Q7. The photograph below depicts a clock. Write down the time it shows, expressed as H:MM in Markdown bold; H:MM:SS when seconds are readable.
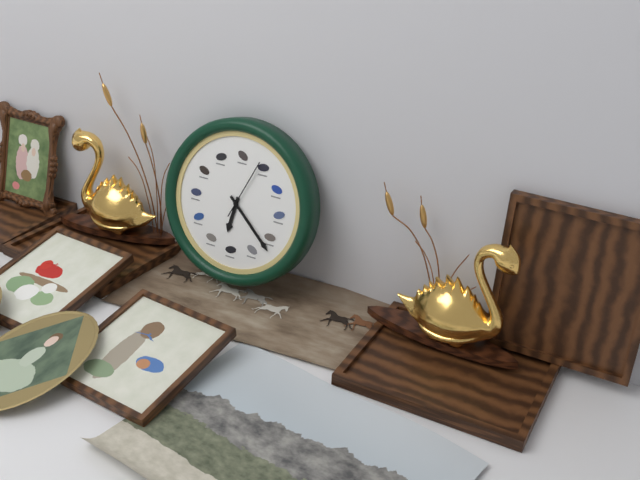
**6:22:04**
